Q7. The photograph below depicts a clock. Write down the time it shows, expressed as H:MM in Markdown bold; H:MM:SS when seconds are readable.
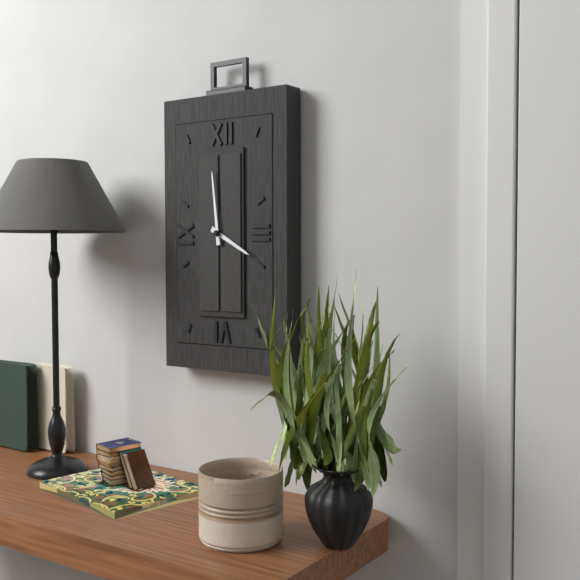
**3:59**
